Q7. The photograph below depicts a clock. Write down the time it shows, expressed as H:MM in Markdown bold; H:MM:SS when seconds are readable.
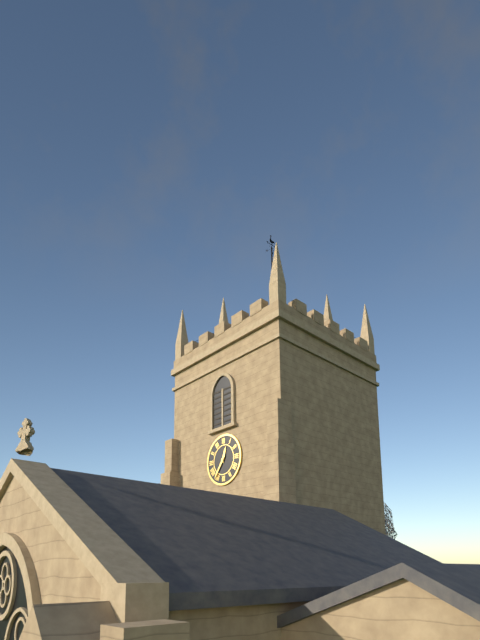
**12:36**
